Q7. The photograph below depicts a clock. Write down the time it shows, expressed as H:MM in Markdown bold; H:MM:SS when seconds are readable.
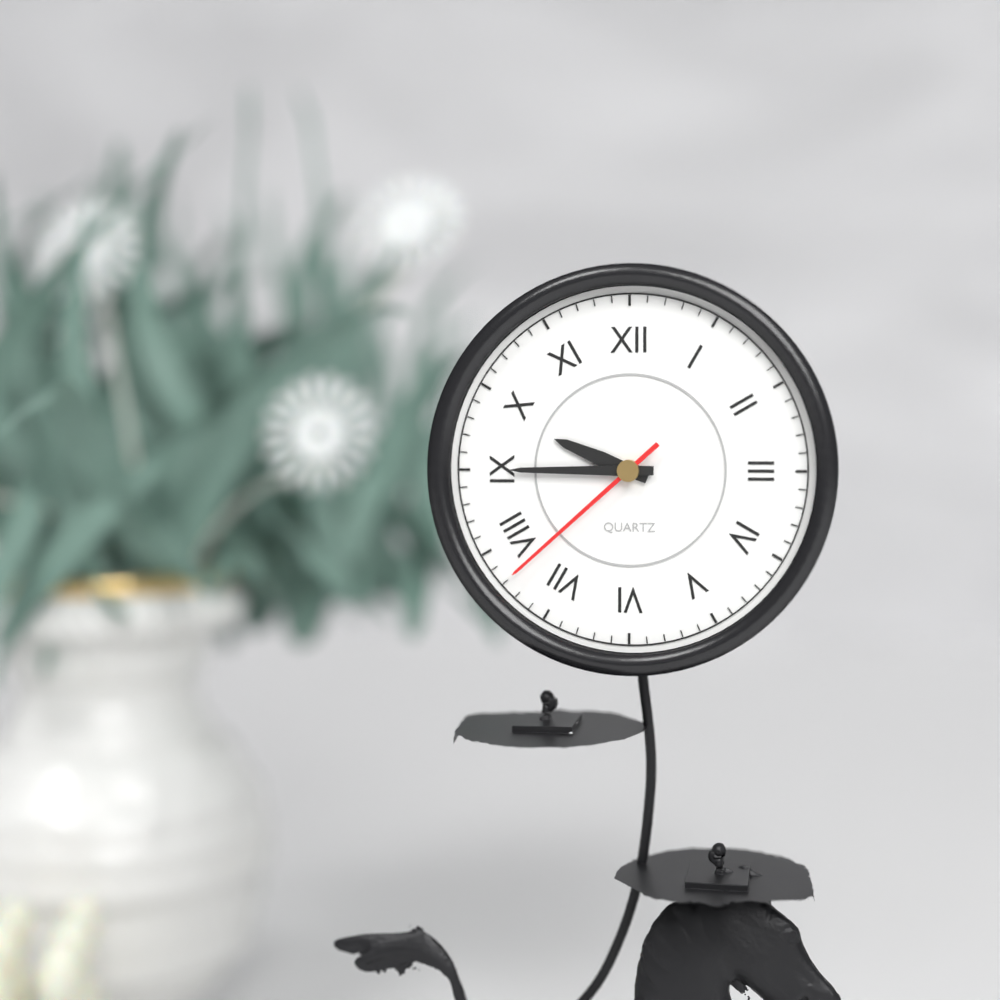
**9:45:38**
